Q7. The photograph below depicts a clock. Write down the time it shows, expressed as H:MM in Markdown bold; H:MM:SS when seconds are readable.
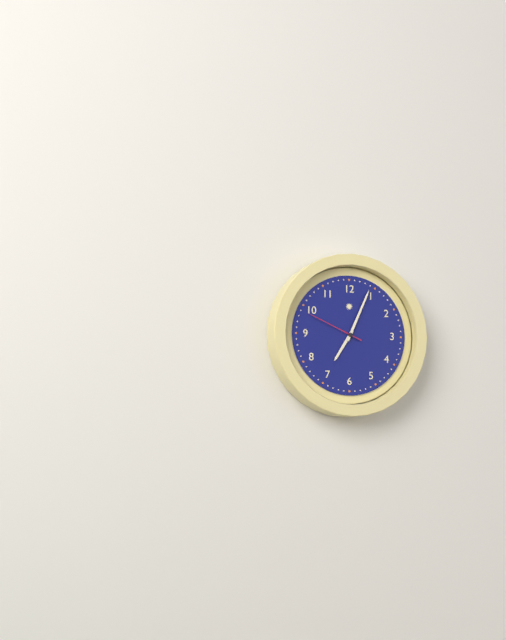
**7:04:49**
